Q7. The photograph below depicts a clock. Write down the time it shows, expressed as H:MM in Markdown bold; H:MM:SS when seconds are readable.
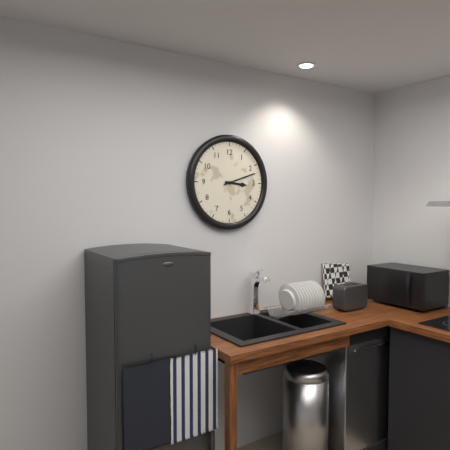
**3:12**
